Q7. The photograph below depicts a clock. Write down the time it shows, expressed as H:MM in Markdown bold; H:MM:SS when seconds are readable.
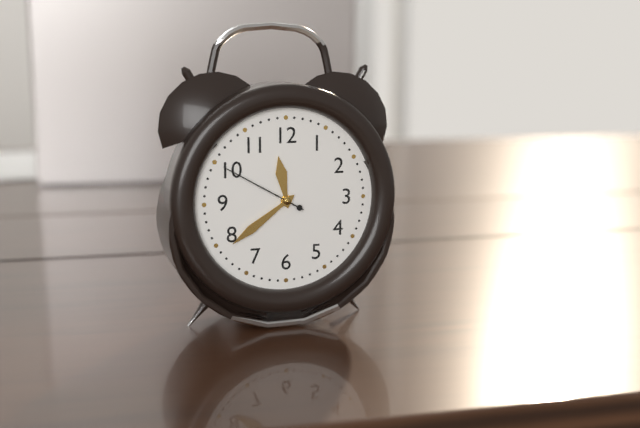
**11:39:50**
